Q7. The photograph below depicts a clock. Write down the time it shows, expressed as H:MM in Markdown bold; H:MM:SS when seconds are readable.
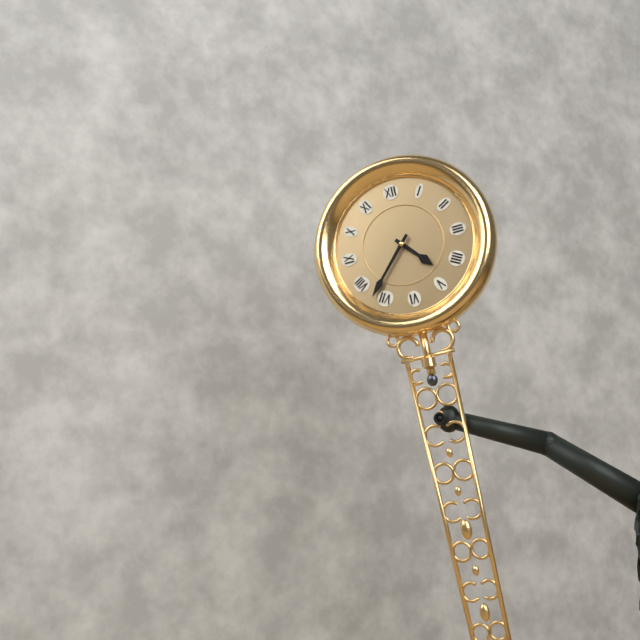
**4:37**
